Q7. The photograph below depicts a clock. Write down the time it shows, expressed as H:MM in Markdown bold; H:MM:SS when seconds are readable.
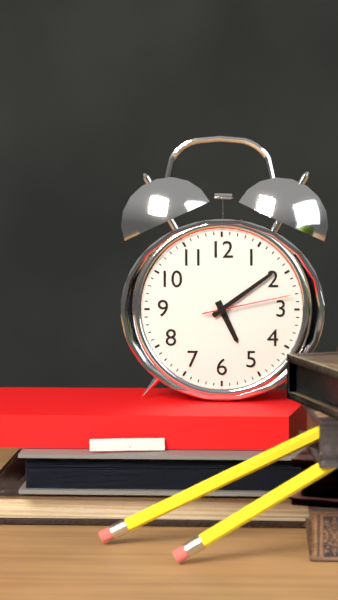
**5:09:13**
